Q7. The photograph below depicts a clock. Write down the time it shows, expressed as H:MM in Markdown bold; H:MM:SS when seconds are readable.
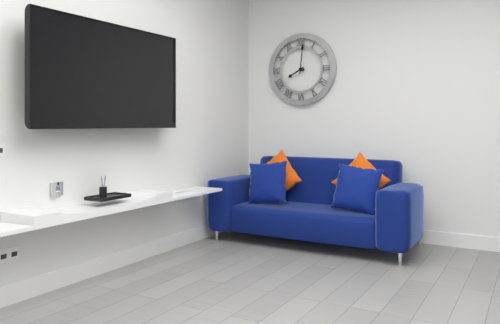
**8:01**
